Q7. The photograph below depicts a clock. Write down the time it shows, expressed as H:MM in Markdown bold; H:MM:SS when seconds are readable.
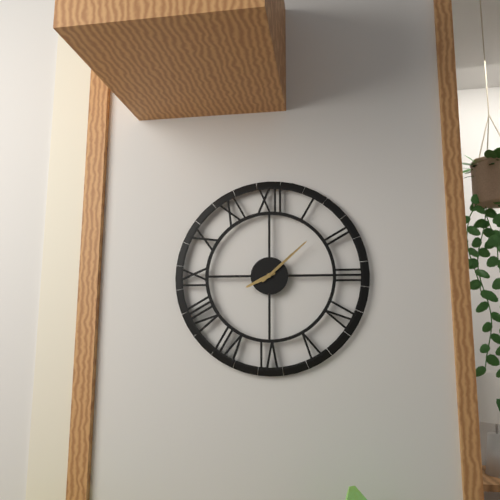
**8:08**
